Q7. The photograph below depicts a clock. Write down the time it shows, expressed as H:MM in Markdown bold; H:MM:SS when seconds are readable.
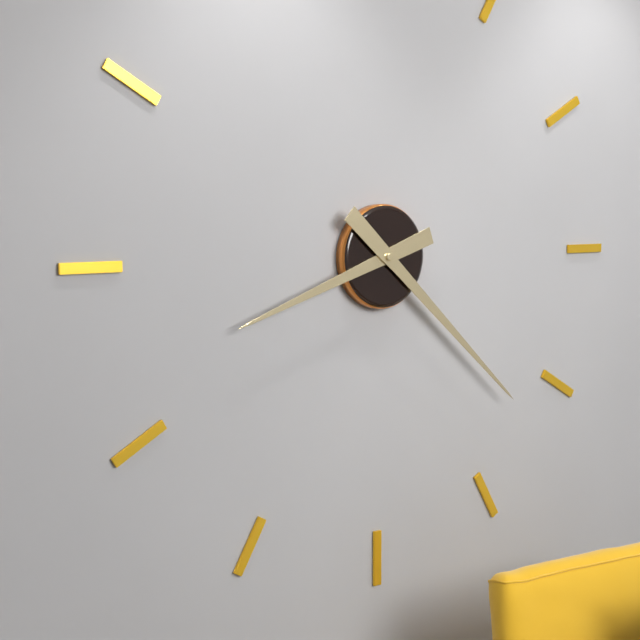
**8:22**
